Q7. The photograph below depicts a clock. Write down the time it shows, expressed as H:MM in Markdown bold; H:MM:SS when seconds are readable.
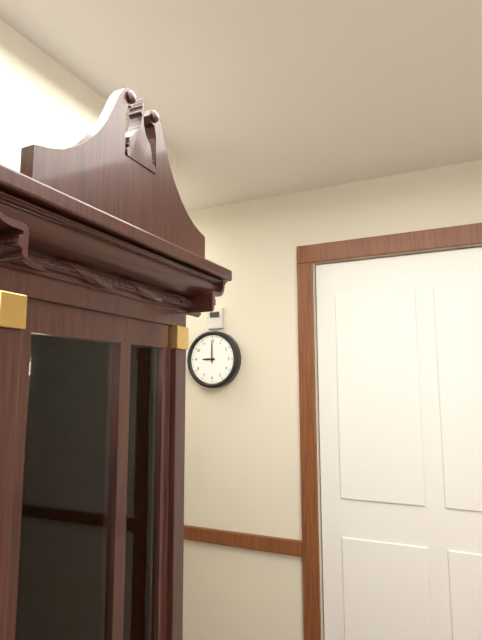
**9:00**
